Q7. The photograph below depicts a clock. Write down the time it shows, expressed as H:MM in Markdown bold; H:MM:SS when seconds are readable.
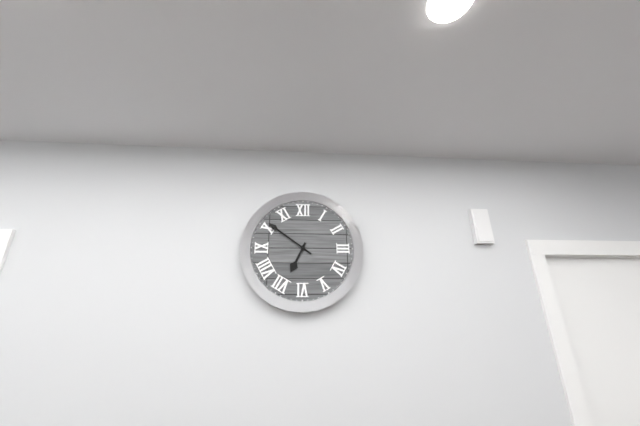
**6:51**
